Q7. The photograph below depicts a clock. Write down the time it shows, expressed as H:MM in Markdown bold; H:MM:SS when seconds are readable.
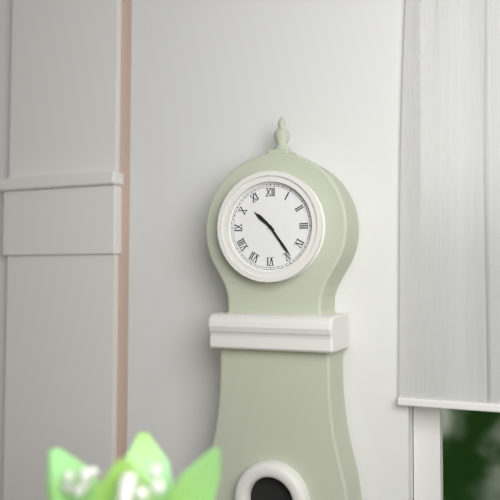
**10:24**
